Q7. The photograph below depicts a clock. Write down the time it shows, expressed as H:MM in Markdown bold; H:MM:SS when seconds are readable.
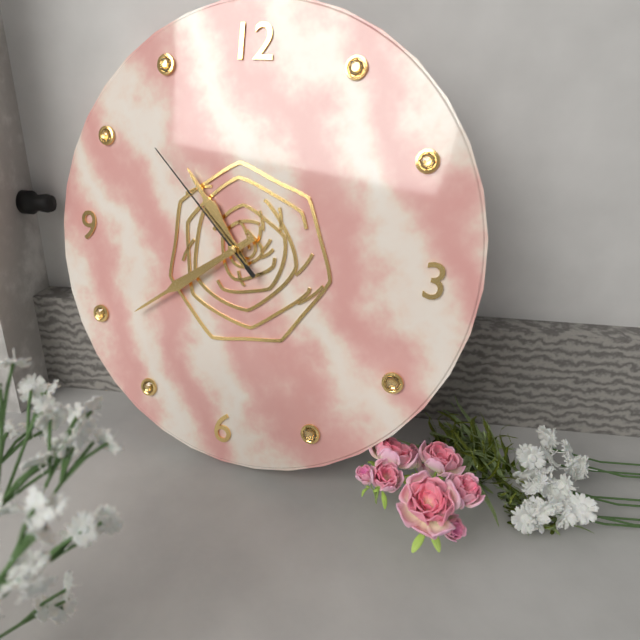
**10:39:52**
